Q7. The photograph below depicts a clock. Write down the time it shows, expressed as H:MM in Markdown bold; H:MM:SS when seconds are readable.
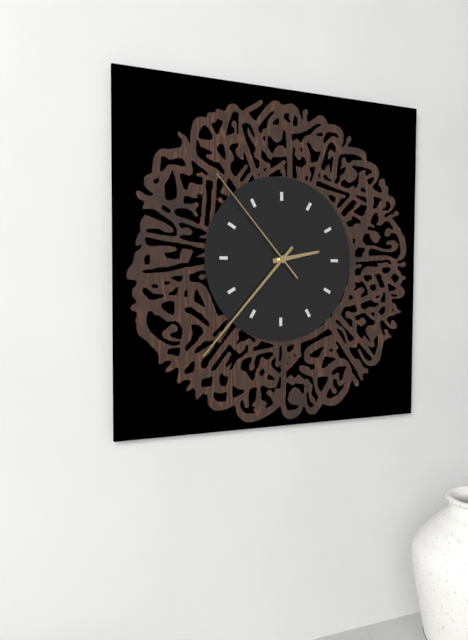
**2:37:53**
